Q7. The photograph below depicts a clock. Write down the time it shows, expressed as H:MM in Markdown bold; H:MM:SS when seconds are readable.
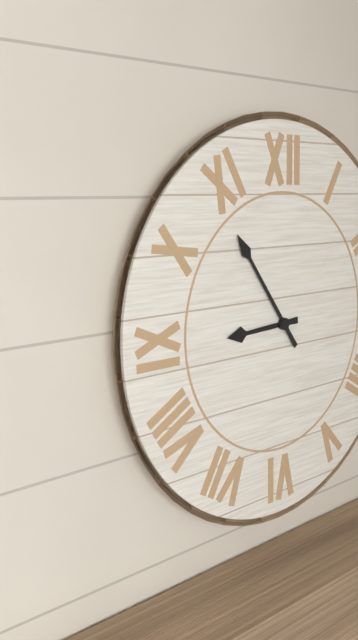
**8:54**
